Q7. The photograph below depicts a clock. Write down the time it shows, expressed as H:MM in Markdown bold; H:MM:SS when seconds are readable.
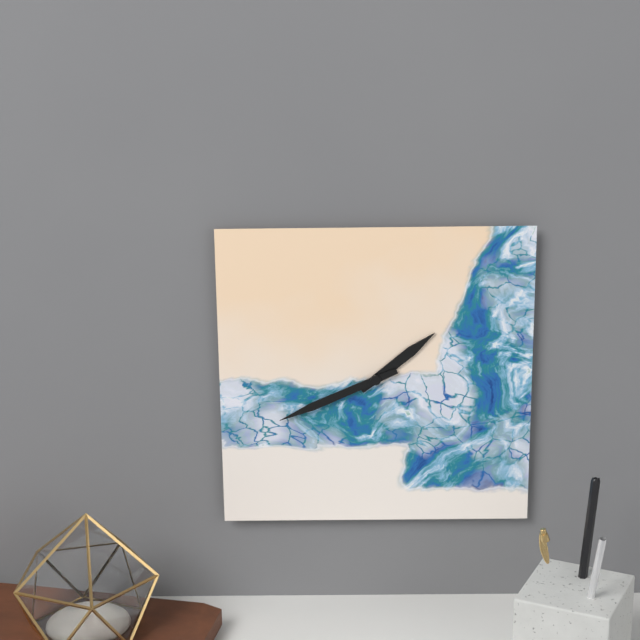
**1:41**
